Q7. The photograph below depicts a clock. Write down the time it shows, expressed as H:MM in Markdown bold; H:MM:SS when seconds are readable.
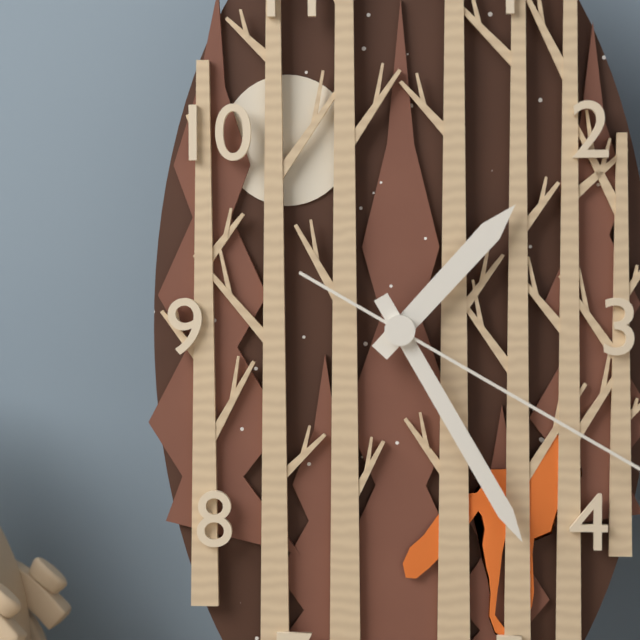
**1:25**
